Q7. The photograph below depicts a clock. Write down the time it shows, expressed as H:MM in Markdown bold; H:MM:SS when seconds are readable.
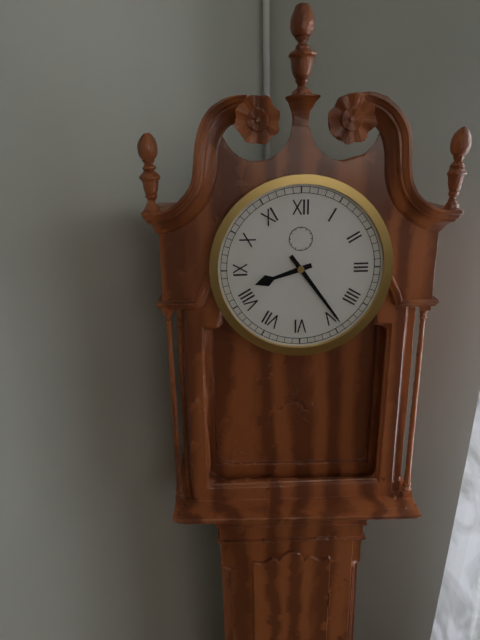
**8:24**
